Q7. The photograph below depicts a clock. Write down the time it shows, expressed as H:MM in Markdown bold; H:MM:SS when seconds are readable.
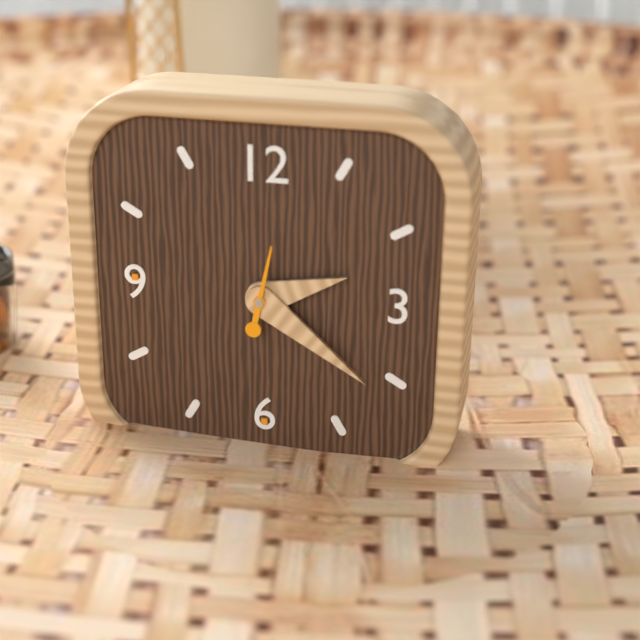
**2:21**
